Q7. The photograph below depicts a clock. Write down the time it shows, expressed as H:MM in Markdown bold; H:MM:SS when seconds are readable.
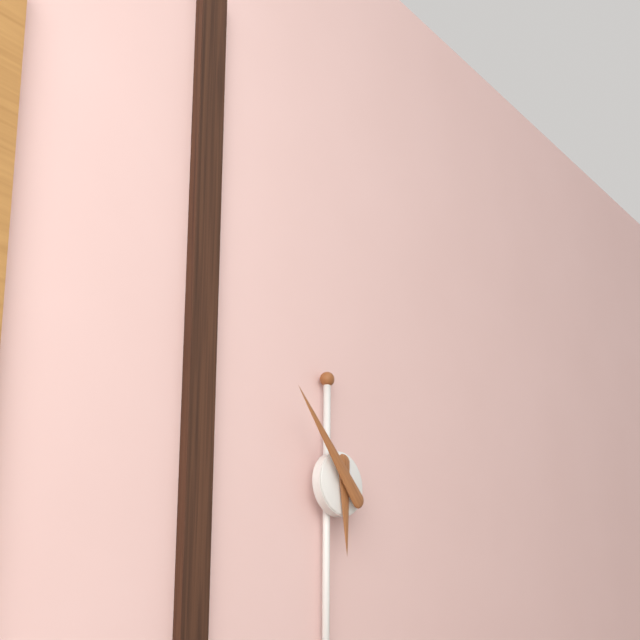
**5:53**
